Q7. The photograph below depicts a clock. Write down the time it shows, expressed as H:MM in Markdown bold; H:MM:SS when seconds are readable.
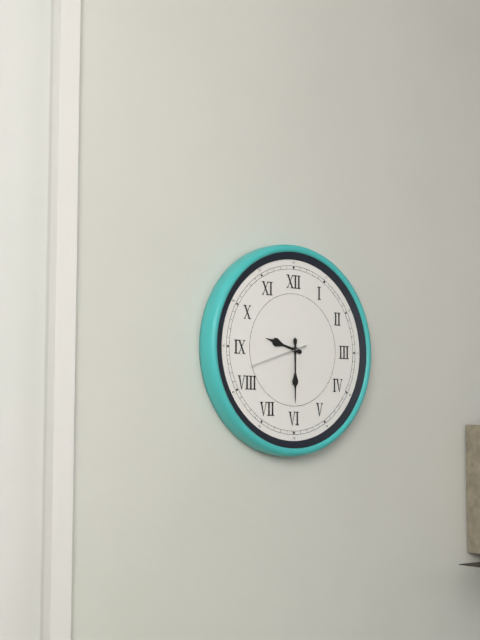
**9:30**
